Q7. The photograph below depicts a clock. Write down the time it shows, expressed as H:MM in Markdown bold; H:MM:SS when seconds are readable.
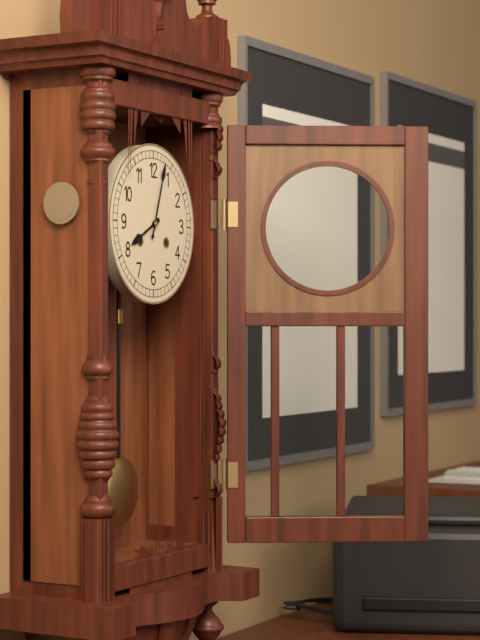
**8:03**
